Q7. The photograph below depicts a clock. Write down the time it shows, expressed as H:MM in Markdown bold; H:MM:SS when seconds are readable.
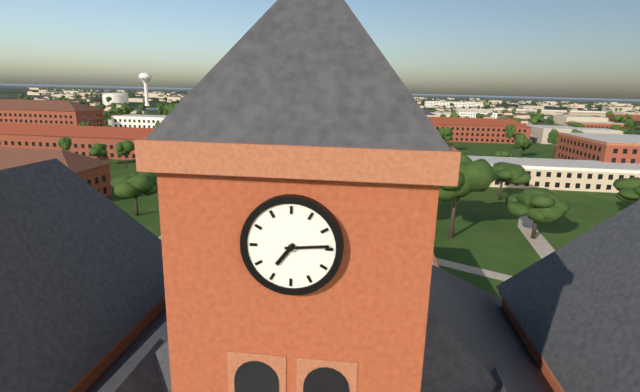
**7:14**
